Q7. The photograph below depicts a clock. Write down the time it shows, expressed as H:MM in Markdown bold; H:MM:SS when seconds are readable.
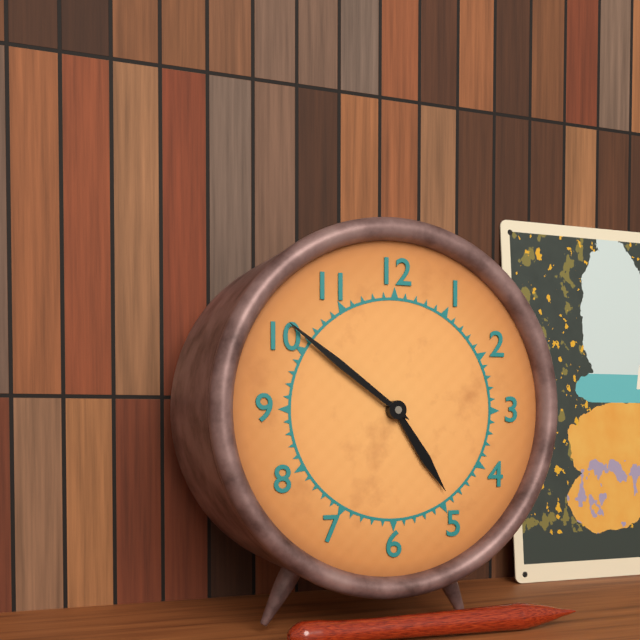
**4:51**
